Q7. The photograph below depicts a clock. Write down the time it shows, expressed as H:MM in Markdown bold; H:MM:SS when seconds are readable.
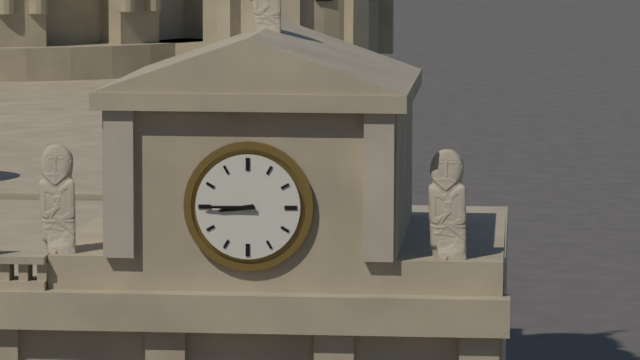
**8:45**
